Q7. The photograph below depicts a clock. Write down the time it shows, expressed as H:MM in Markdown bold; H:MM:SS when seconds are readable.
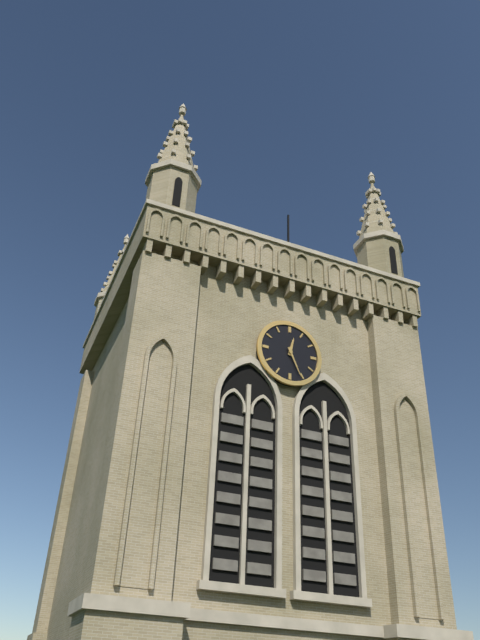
**12:26**
